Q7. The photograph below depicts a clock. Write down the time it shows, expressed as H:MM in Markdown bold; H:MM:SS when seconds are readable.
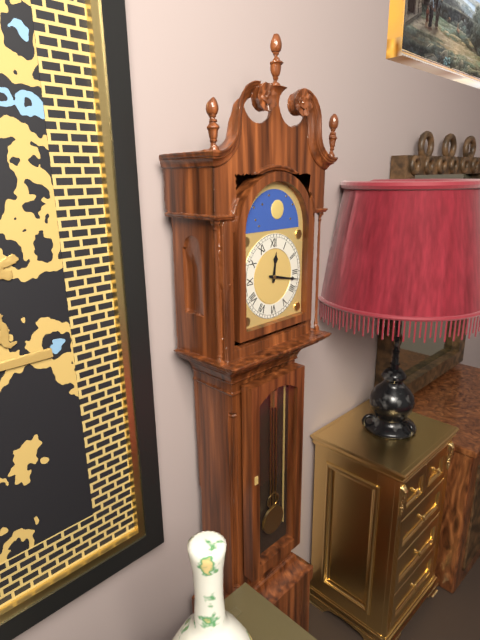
**12:17**
